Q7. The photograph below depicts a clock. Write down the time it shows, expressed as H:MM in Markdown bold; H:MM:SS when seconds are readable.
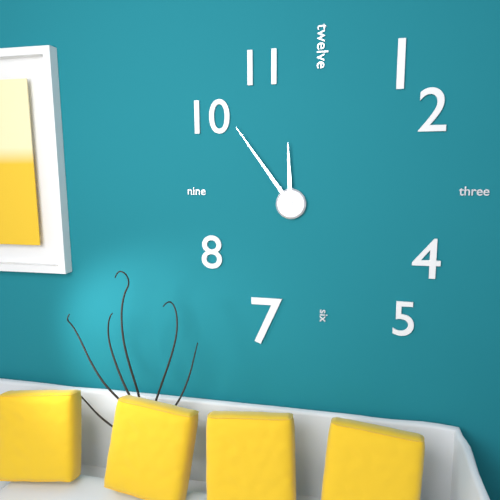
**11:54**
